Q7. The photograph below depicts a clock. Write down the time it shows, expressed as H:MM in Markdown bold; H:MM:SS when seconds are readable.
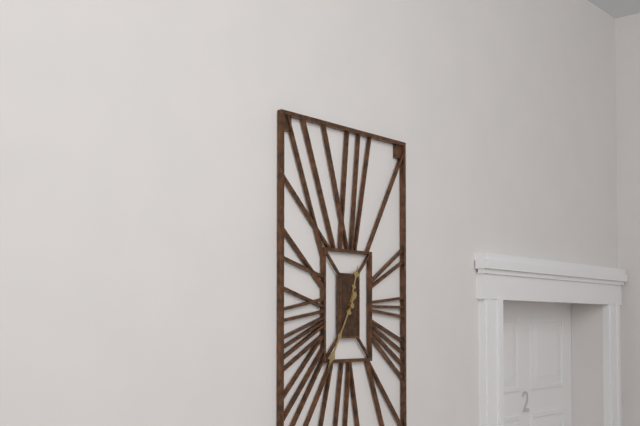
**12:35**
